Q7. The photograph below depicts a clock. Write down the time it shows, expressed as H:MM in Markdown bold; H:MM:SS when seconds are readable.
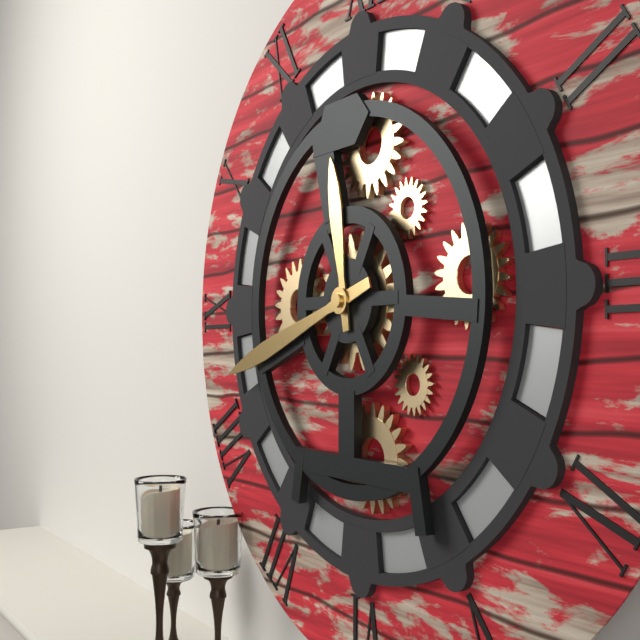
**11:42**
